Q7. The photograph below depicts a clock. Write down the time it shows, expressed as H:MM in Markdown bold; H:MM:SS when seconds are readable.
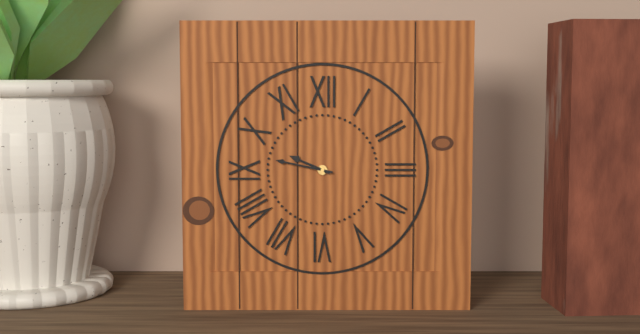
**9:47**
